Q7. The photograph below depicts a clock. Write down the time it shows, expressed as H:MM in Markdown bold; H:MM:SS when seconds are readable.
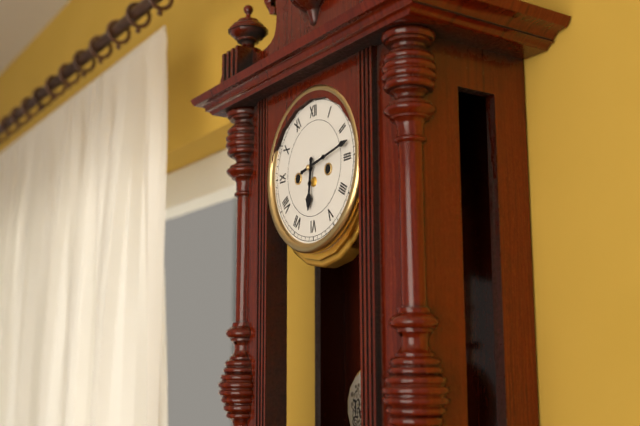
**6:13**
